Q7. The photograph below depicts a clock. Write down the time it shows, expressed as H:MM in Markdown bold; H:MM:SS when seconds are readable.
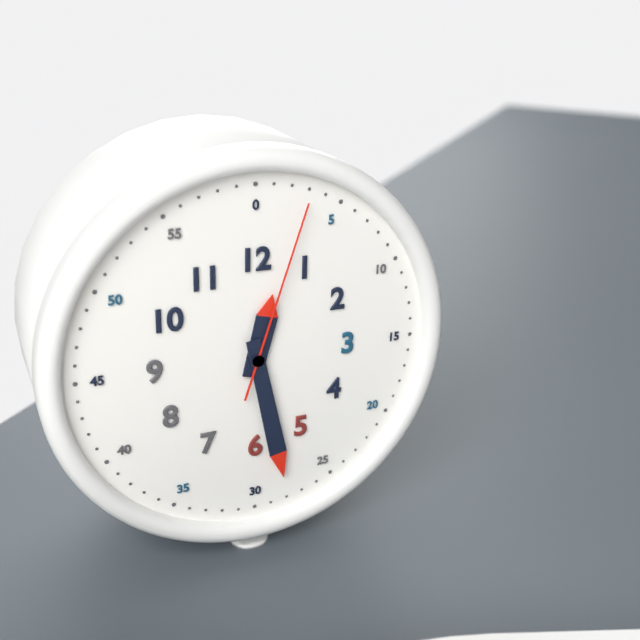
**12:28:03**
